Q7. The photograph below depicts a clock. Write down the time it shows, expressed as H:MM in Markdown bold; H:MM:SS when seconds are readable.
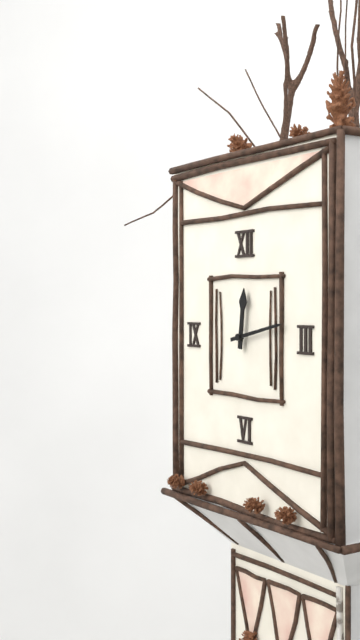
**12:13**
